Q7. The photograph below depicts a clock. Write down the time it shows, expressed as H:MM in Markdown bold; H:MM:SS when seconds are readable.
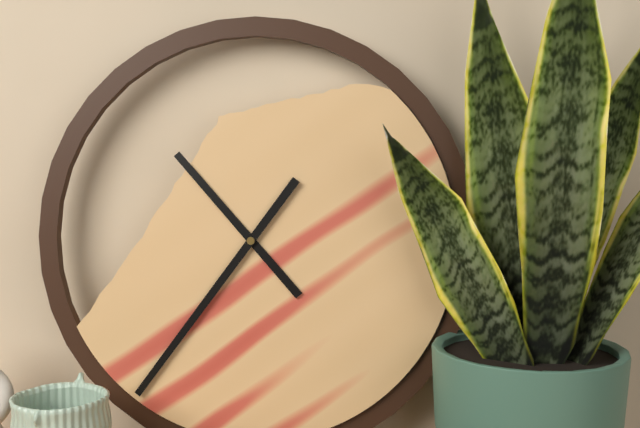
**10:36**
